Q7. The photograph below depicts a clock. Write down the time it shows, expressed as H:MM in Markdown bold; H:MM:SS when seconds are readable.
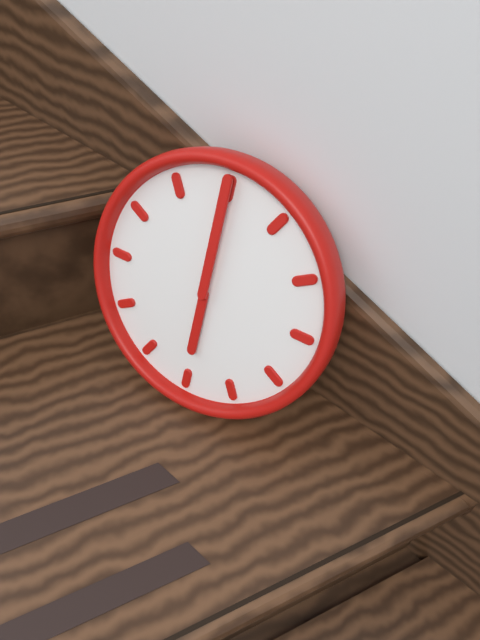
**6:00**
